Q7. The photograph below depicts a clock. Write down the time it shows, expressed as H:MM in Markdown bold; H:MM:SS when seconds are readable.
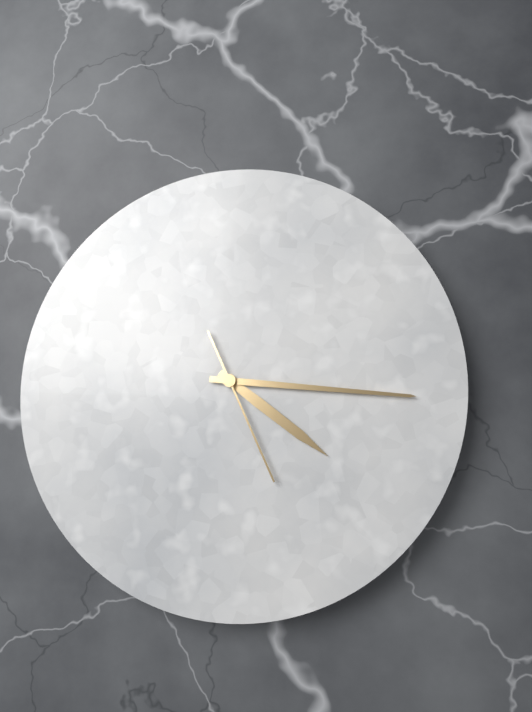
**4:16:26**
